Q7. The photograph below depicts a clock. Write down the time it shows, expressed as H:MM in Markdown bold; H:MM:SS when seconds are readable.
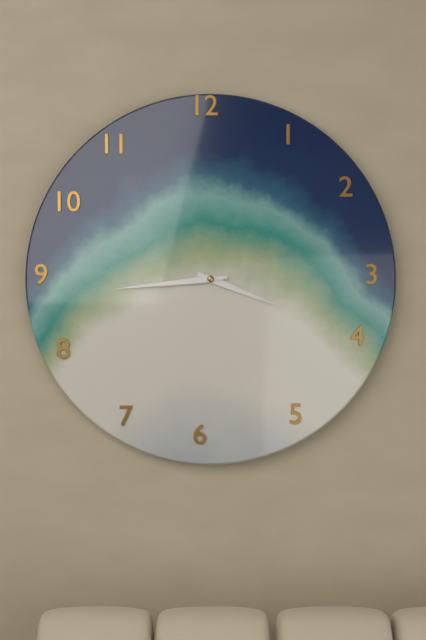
**3:44**
